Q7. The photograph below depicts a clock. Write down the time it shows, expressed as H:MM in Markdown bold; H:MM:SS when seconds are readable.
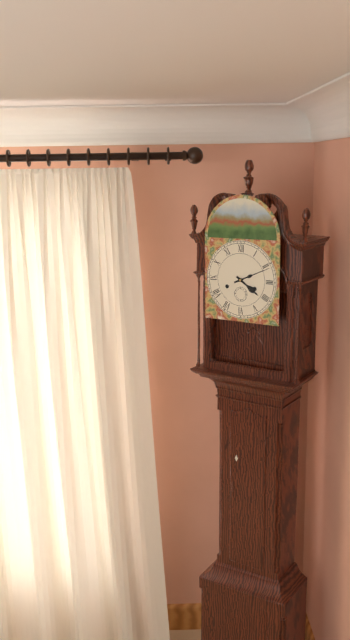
**4:11**
